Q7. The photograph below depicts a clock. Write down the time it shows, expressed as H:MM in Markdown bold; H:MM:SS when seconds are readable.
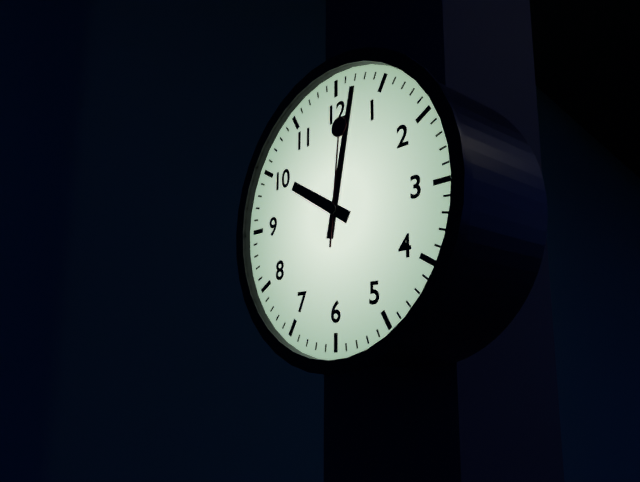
**10:02:01**
